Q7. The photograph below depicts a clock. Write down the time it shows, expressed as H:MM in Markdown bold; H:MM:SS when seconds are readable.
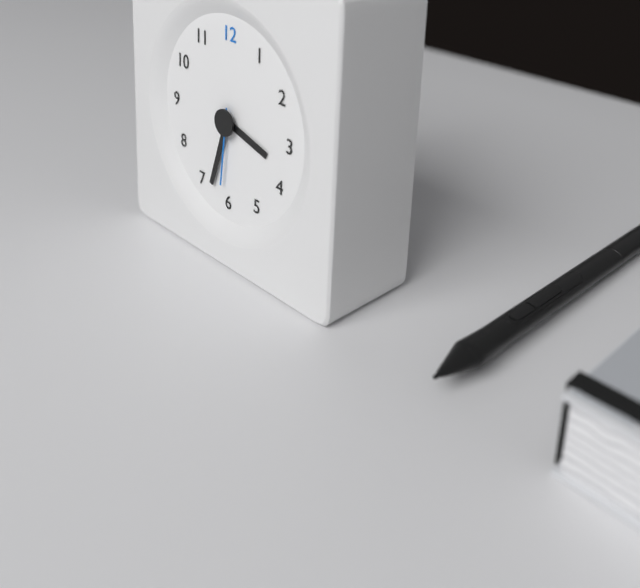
**3:33:31**
